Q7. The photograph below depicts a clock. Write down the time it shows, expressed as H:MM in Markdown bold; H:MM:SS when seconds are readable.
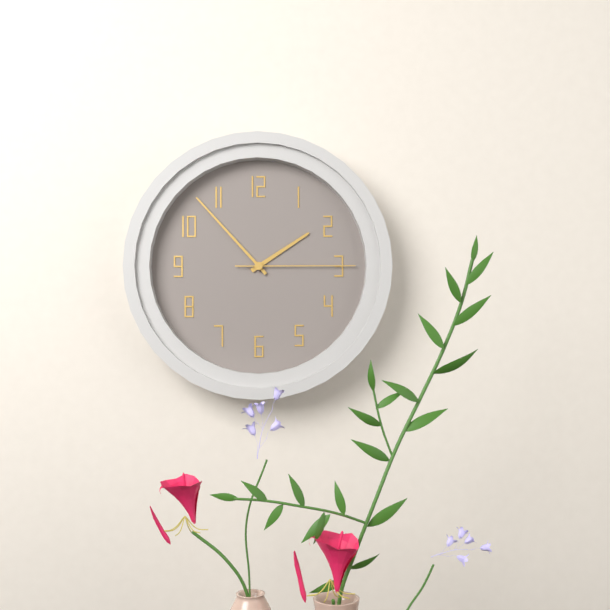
**1:53:15**
